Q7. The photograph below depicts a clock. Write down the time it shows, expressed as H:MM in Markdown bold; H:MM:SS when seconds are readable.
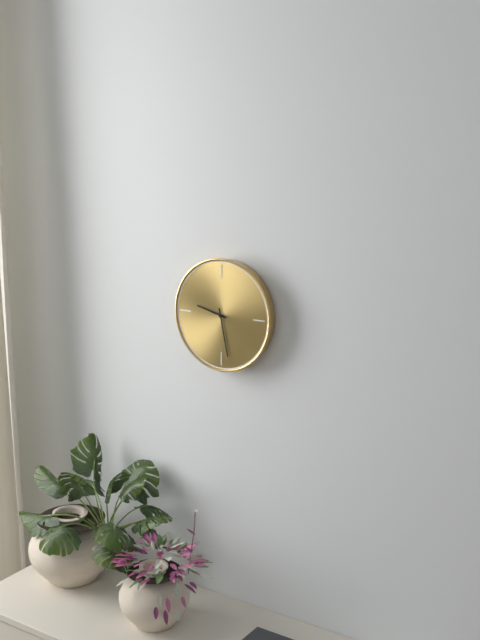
**9:28**
